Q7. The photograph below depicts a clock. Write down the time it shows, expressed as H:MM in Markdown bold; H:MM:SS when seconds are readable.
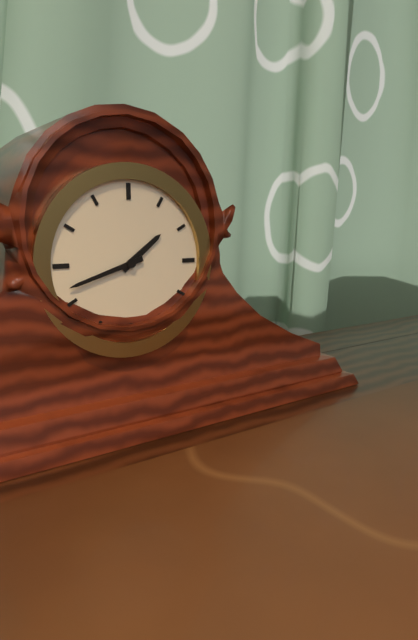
**1:42**
